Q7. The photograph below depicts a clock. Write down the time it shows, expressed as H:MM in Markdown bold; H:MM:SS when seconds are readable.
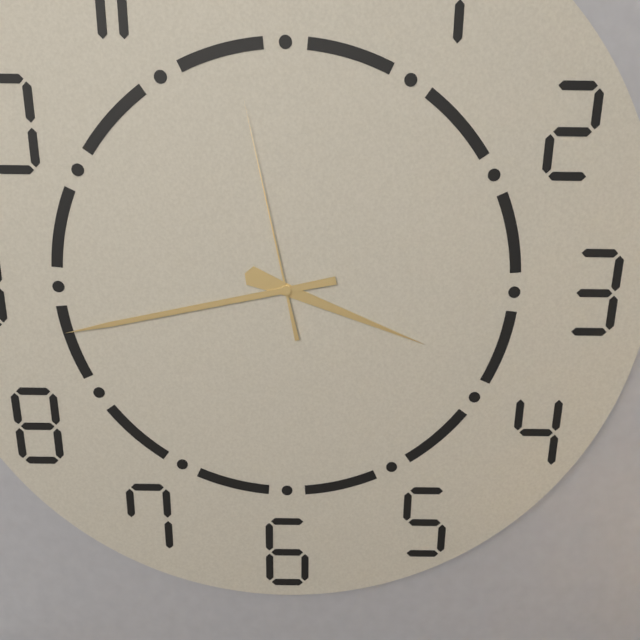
**3:43:58**
